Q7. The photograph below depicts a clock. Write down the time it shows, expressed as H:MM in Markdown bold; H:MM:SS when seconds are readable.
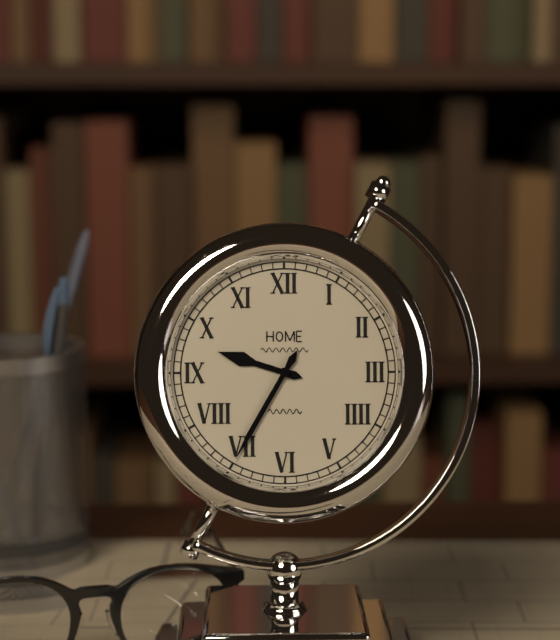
**9:35**
